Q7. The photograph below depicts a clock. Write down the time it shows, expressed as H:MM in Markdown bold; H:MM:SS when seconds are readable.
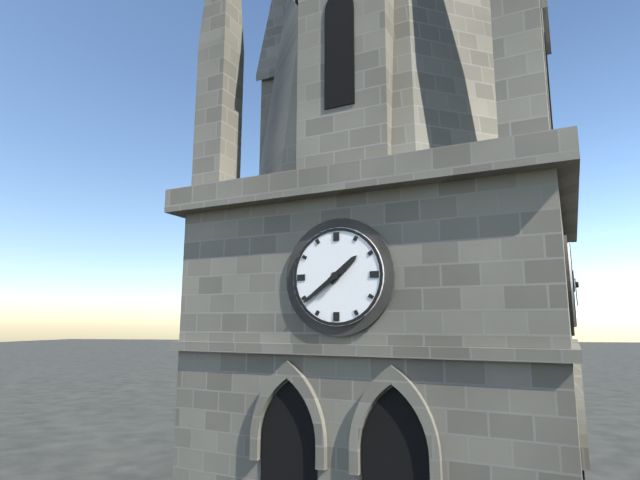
**1:39**
